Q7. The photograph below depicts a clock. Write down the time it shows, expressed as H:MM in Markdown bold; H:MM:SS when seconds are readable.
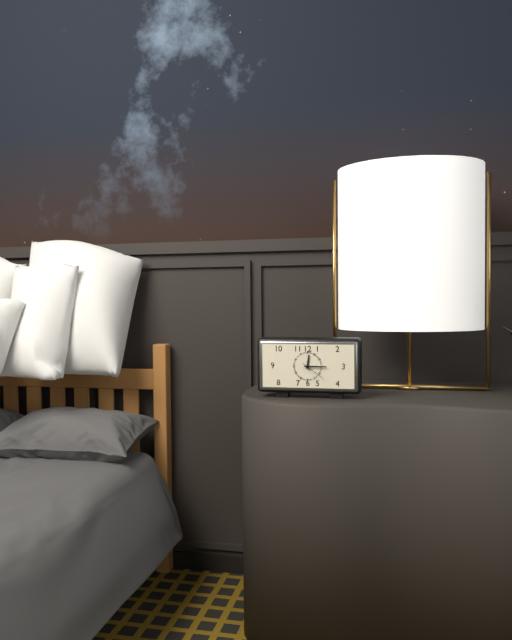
**12:15**
